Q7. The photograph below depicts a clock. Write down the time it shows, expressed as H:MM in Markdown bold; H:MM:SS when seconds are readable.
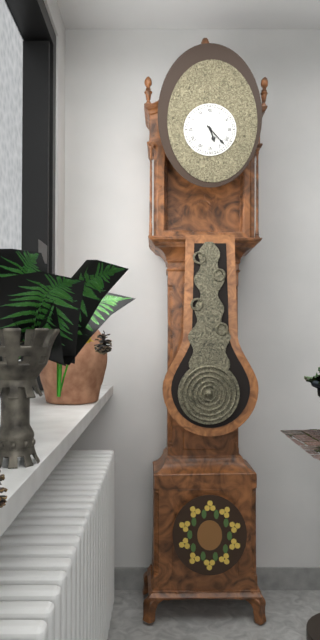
**5:23**
